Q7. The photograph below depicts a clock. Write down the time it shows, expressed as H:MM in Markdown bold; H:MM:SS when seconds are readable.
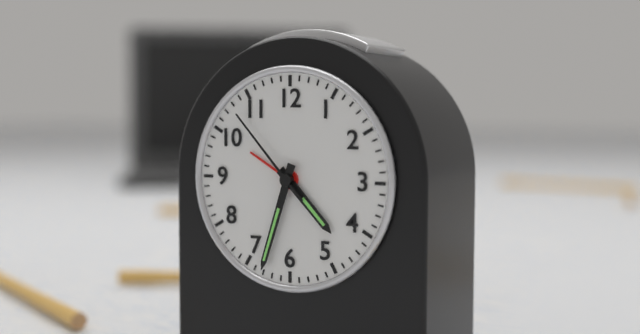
**4:33:53**
